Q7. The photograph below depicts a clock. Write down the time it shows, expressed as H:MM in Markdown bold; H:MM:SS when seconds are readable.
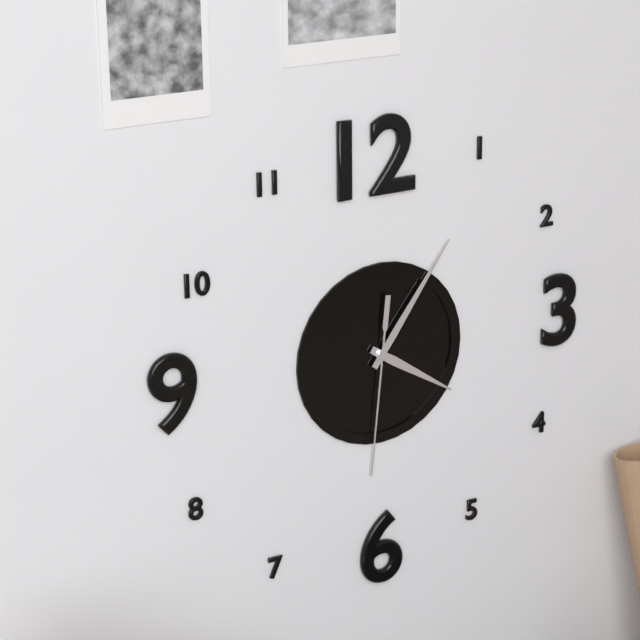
**4:06:31**
